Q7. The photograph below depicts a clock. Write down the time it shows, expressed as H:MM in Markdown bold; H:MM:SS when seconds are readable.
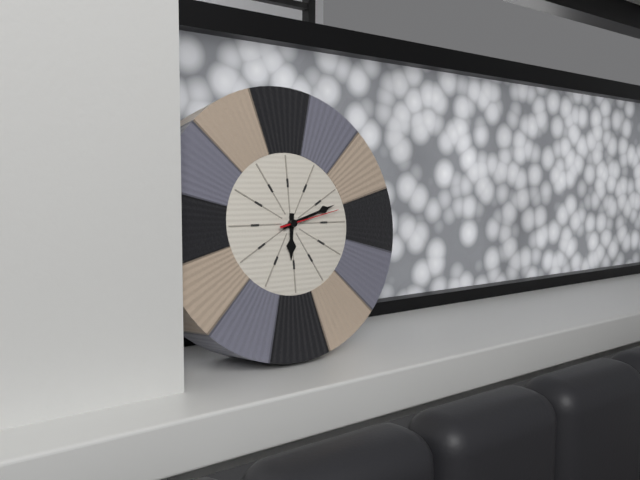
**6:12:13**
